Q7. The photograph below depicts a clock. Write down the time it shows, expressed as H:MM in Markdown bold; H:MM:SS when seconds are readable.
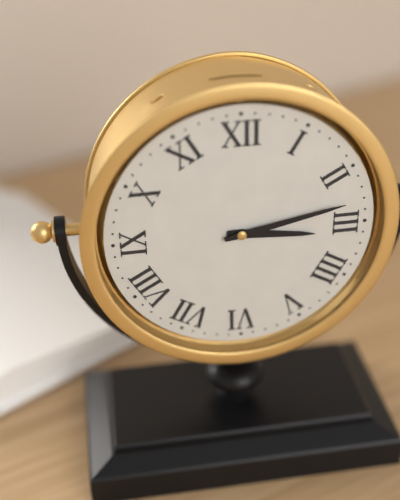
**3:13**
